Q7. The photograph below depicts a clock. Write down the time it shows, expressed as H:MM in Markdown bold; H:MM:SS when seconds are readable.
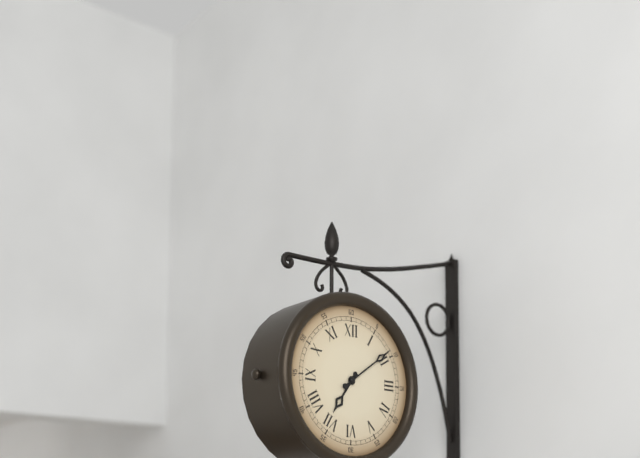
**7:09**
